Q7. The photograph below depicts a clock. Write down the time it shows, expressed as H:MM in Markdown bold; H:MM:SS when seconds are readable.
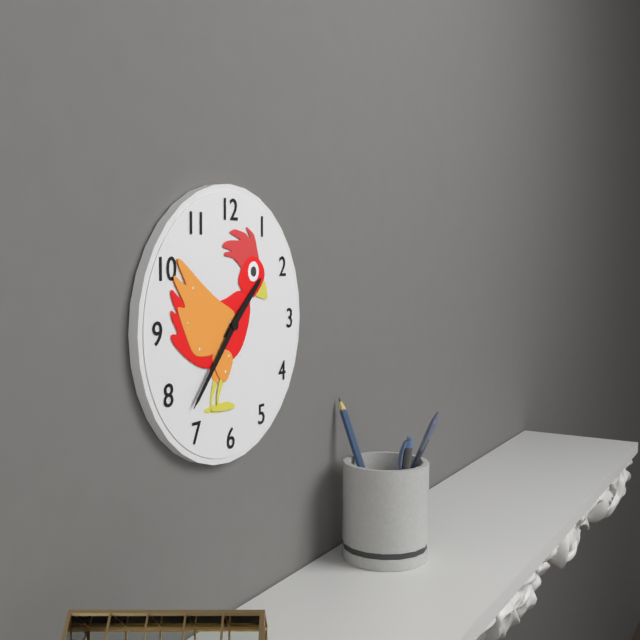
**1:37**
